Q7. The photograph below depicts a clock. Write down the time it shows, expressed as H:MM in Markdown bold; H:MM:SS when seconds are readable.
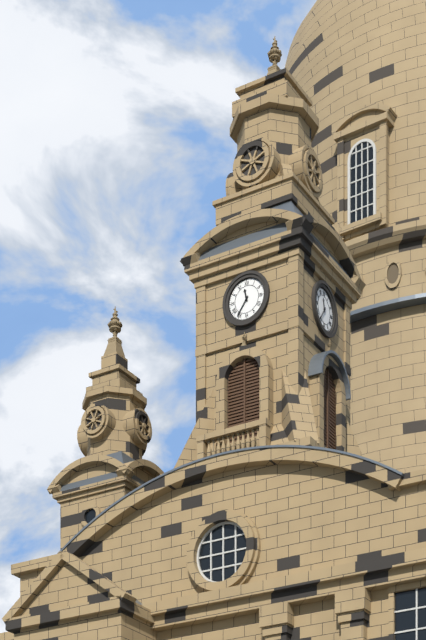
**11:36**
